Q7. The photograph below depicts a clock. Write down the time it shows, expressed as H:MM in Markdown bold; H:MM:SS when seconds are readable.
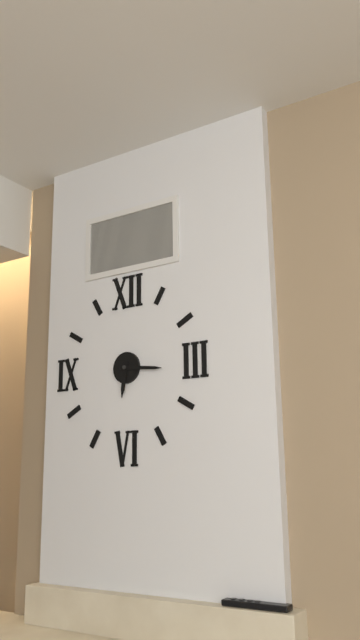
**6:16**
